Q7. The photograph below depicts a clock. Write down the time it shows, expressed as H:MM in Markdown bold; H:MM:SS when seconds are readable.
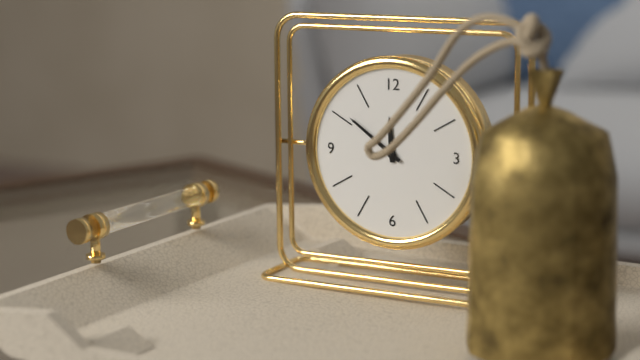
**11:51**
